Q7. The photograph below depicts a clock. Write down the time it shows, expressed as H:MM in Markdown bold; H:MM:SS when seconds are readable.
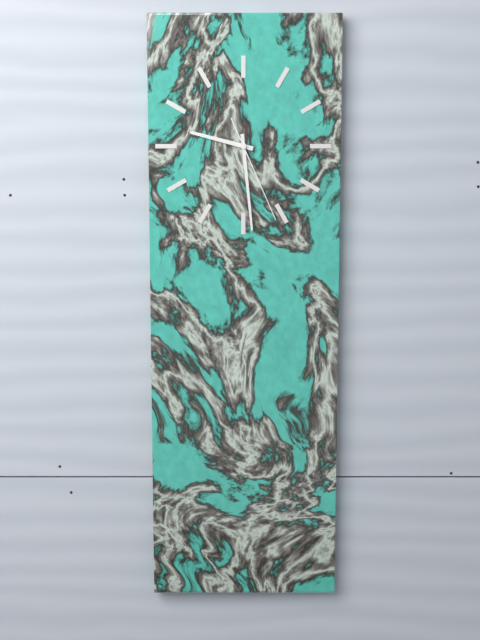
**9:29:26**
